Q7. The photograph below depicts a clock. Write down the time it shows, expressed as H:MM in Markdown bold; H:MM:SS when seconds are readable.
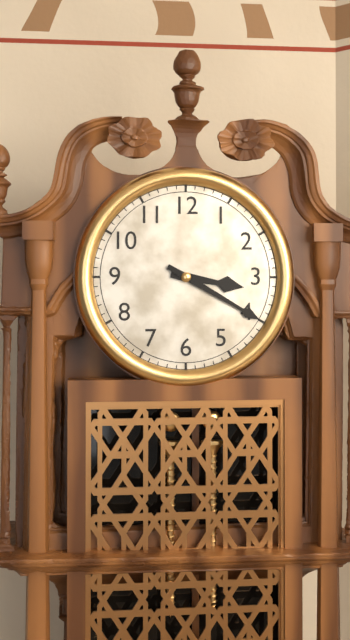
**3:20**
